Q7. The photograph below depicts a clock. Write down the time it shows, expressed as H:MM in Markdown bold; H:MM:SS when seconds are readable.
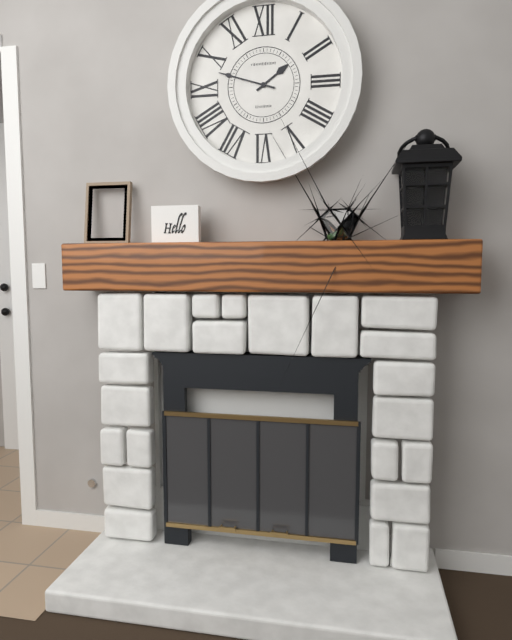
**1:48**
